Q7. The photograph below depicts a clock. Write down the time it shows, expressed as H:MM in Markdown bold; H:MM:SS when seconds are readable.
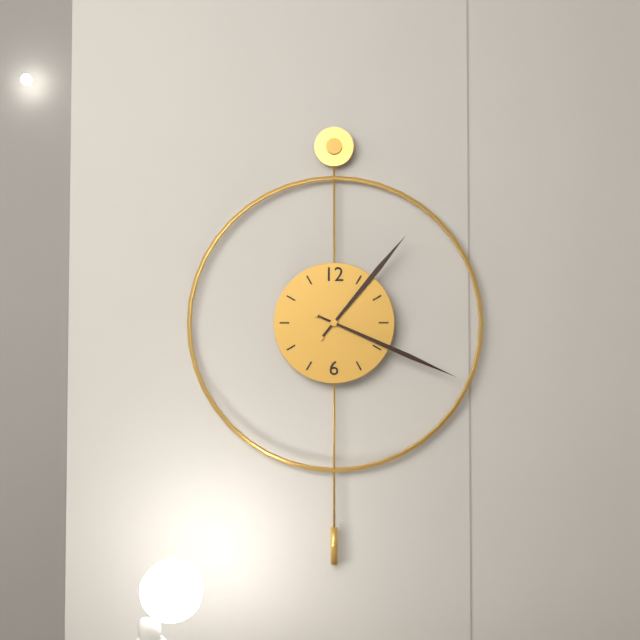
**1:19**
